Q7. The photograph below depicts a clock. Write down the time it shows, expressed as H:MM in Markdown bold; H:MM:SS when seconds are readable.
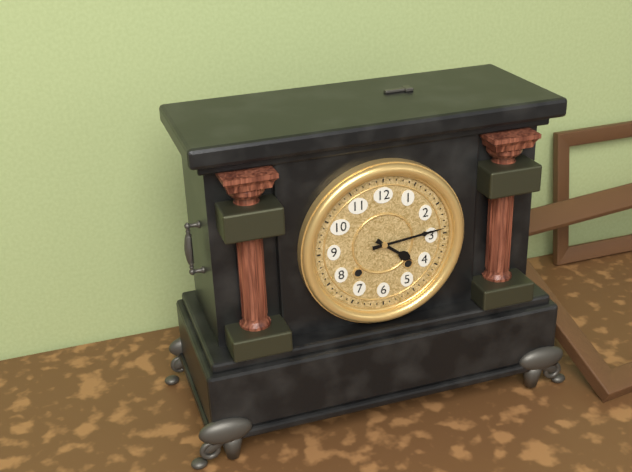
**4:14**
